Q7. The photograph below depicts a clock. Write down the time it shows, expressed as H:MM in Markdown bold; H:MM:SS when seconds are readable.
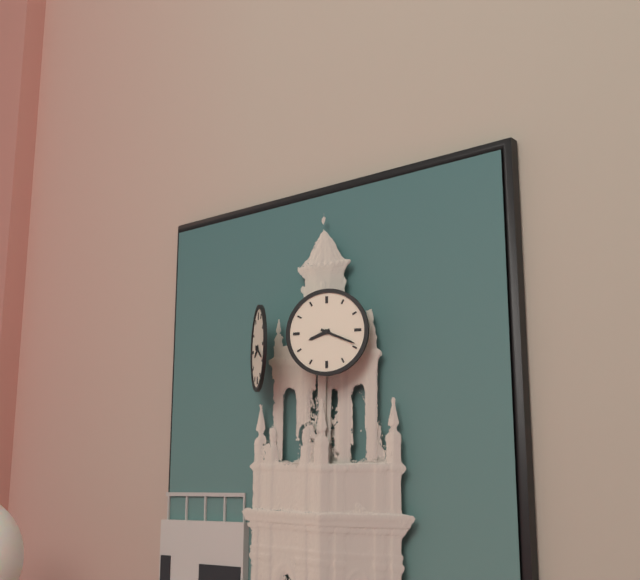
**8:19**
